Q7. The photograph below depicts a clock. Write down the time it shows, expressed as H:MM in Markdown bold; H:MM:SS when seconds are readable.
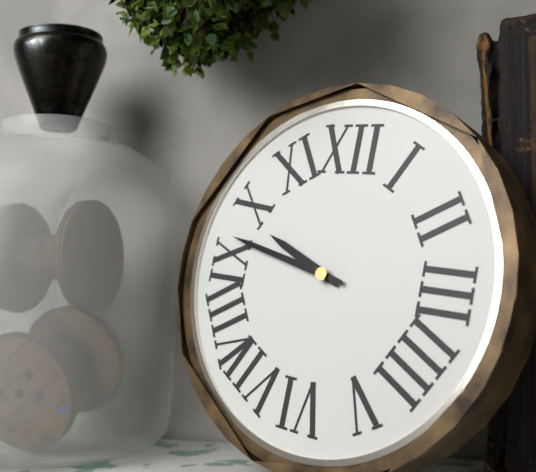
**9:47**
